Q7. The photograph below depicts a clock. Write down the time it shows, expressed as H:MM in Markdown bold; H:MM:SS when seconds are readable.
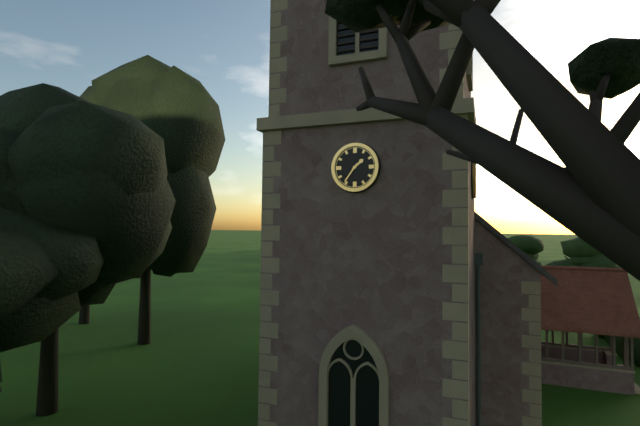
**1:36**
